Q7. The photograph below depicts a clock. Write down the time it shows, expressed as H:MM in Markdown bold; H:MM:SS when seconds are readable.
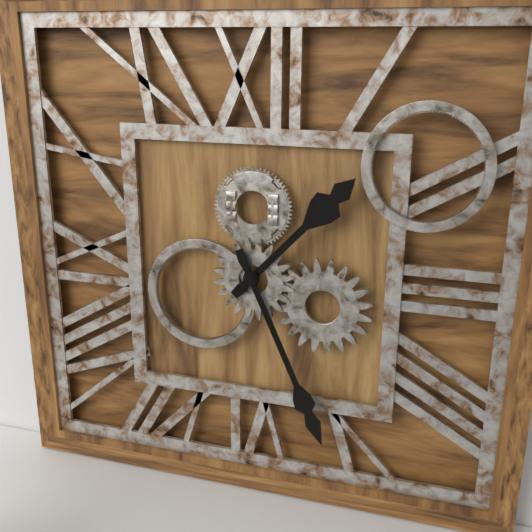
**1:26**
